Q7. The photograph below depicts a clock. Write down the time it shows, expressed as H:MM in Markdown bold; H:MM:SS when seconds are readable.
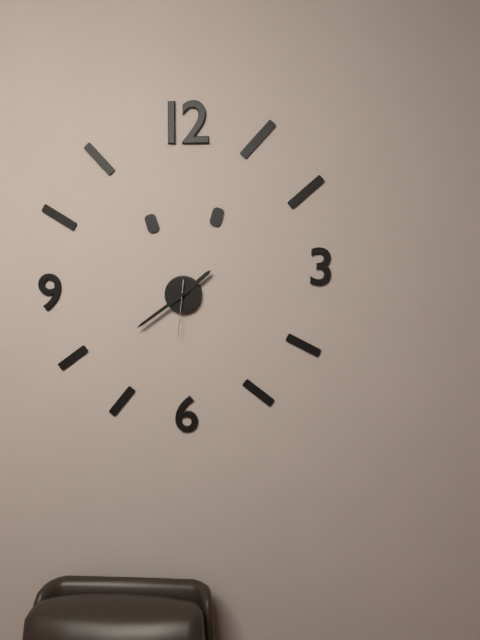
**1:39:31**
